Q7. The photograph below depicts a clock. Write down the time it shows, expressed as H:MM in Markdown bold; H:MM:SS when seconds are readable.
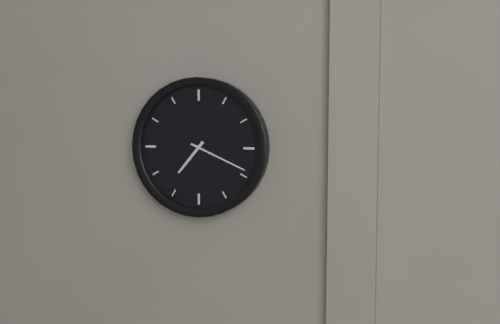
**7:19**
